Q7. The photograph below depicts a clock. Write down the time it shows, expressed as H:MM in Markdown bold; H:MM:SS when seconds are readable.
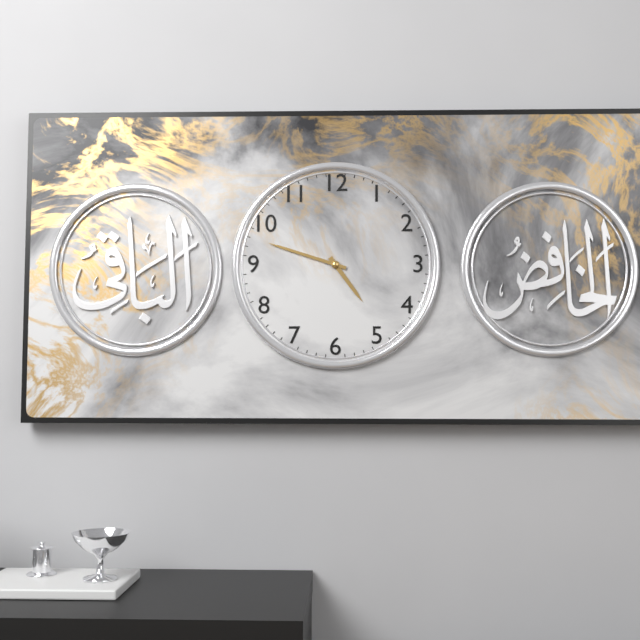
**4:48**
